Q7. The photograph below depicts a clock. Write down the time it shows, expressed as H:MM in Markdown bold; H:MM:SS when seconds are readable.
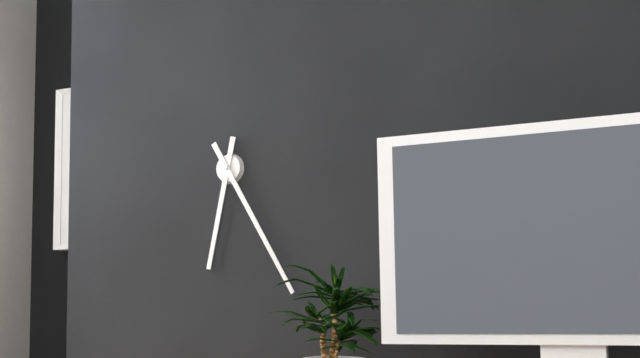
**6:25**
